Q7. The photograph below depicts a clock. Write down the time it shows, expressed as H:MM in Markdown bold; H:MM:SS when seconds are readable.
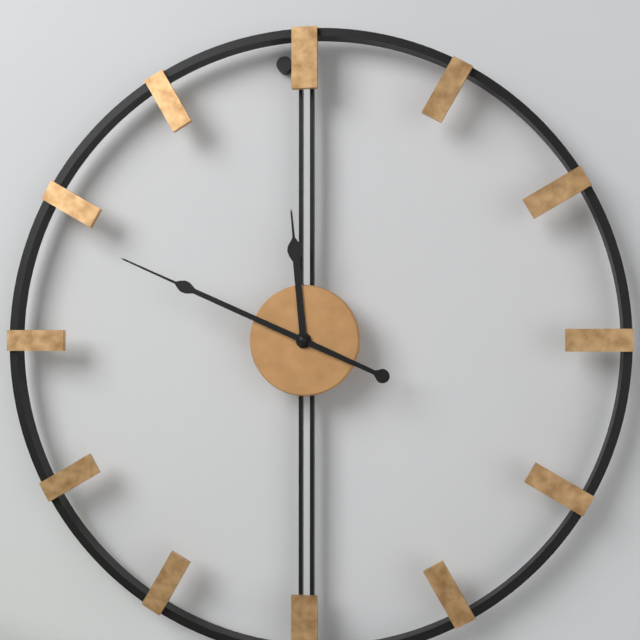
**11:49**
